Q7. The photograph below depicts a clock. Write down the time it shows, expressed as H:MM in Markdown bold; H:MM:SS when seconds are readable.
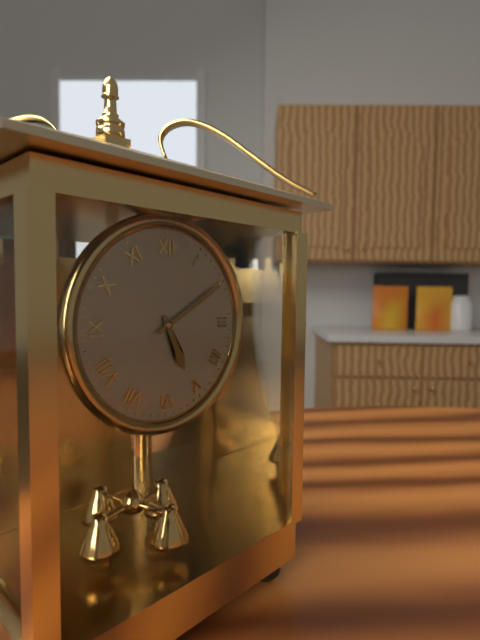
**5:10**
